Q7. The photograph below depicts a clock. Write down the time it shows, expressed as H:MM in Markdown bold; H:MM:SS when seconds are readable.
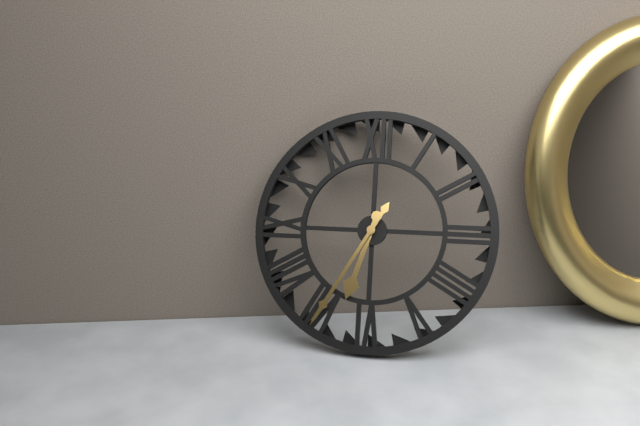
**6:35**
